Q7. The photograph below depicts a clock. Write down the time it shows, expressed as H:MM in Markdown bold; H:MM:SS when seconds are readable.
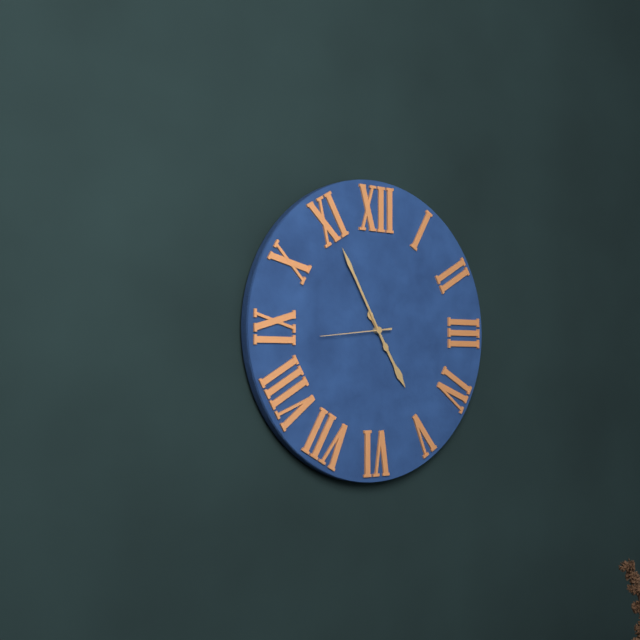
**4:55:44**
